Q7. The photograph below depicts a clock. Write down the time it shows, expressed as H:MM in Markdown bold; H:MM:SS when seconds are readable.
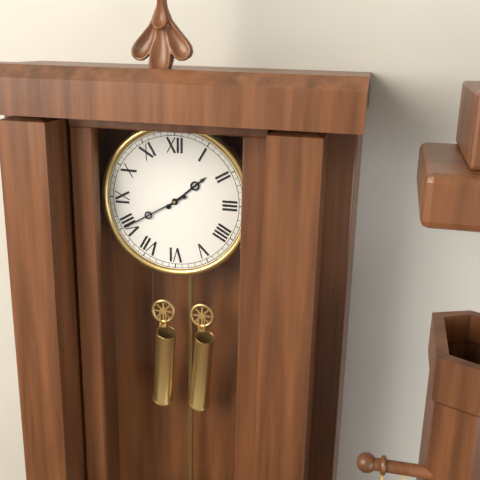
**1:40**
